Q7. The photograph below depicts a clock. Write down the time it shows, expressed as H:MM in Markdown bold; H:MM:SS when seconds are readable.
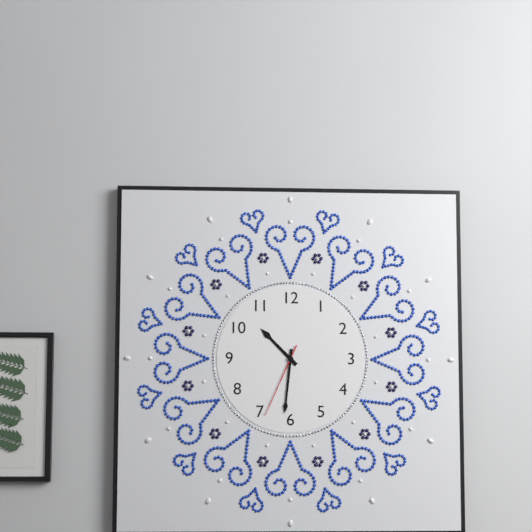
**10:31:34**
